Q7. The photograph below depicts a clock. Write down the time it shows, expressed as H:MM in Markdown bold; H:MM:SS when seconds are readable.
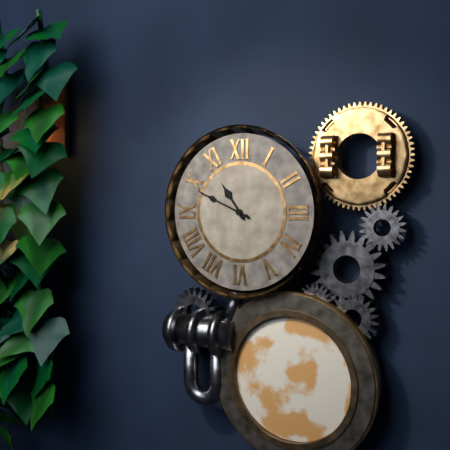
**10:49**
